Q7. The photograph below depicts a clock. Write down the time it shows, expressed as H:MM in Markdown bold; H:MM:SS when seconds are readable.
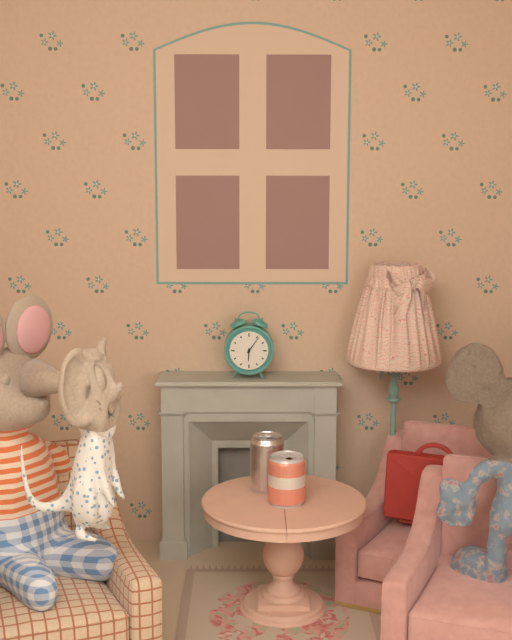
**6:06**
